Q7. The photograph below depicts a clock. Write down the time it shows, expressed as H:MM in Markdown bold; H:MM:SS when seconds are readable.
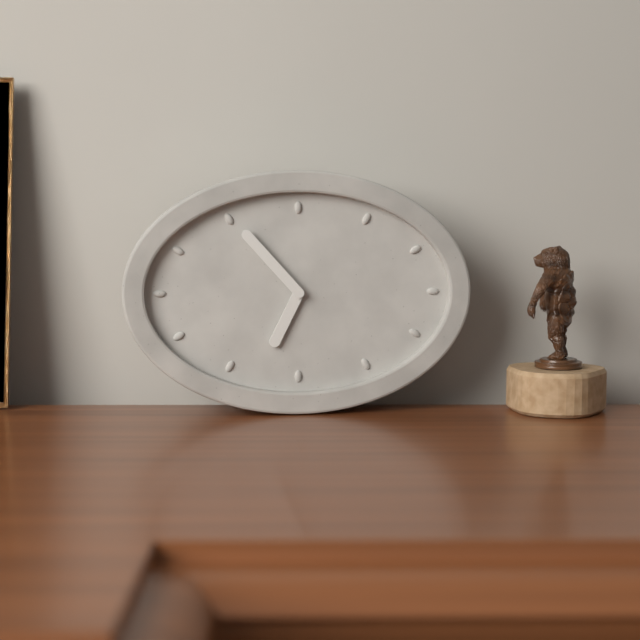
**6:53**
